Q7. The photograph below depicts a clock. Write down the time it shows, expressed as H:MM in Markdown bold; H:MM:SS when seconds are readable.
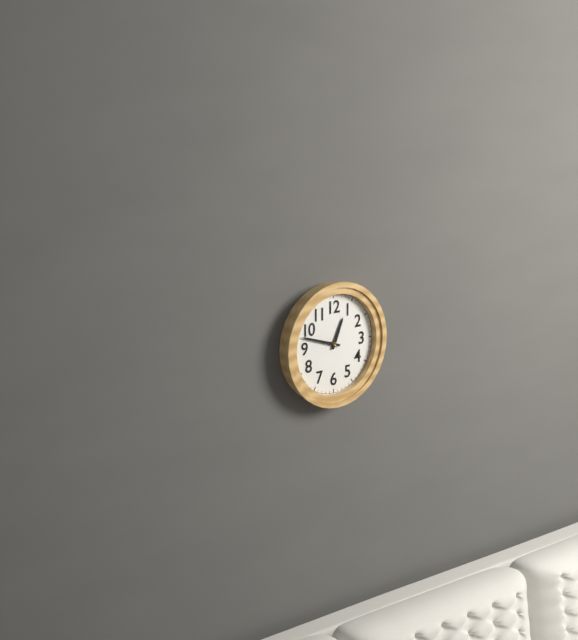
**12:48**
